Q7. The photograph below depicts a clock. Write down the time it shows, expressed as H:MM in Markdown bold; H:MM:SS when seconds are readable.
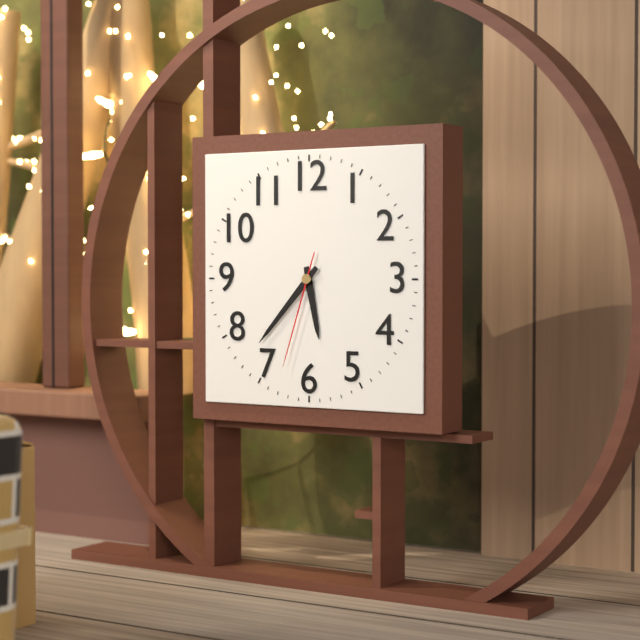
**5:37:33**
